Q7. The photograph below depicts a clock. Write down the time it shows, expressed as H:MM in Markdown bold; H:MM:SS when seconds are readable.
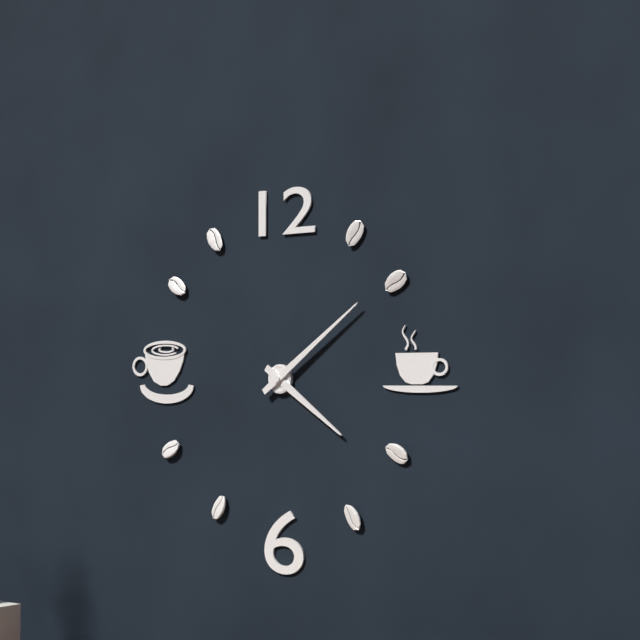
**4:09**
